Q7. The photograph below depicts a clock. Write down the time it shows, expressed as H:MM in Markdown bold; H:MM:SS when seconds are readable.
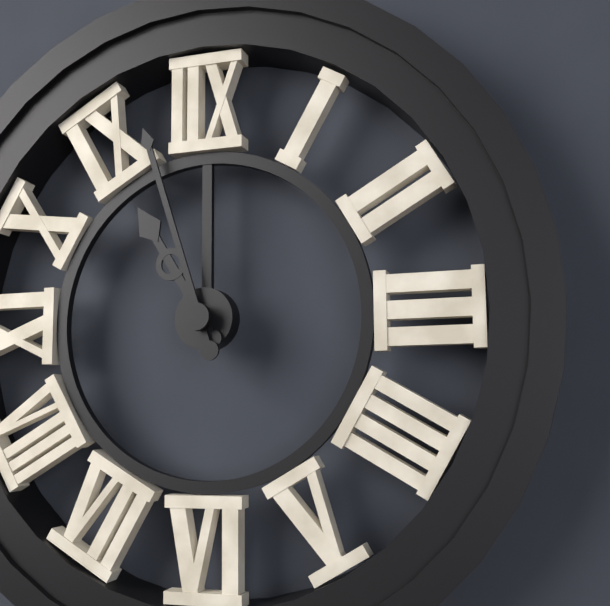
**10:57**
